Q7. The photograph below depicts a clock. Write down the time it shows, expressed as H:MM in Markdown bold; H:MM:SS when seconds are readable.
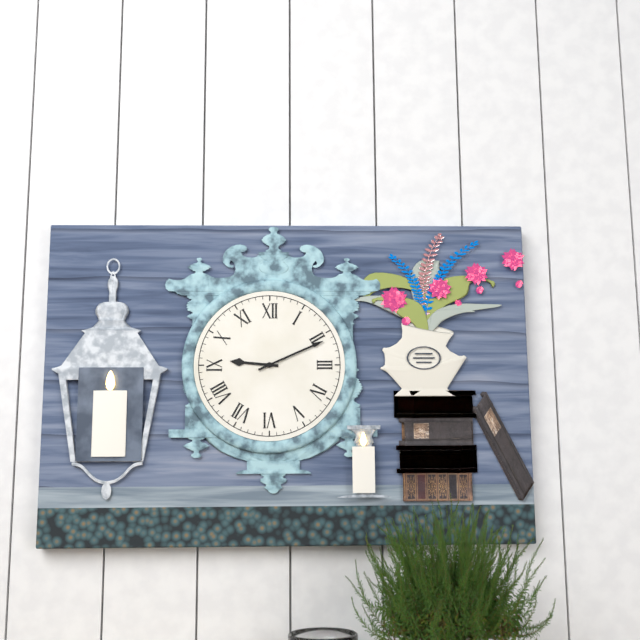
**9:11**
